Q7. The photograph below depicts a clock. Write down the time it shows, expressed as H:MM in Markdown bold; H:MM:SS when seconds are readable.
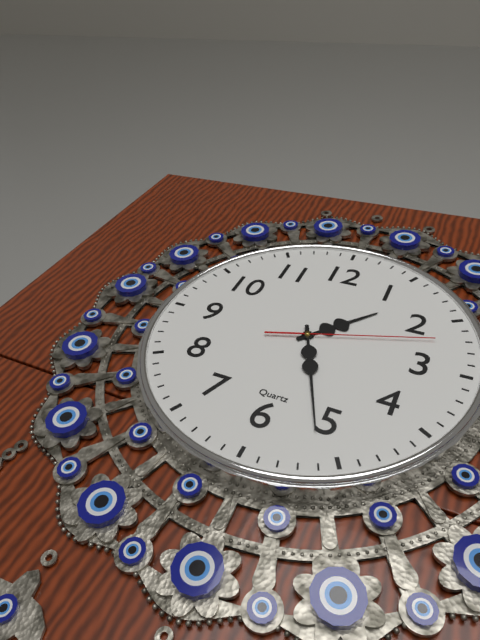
**1:26:12**
